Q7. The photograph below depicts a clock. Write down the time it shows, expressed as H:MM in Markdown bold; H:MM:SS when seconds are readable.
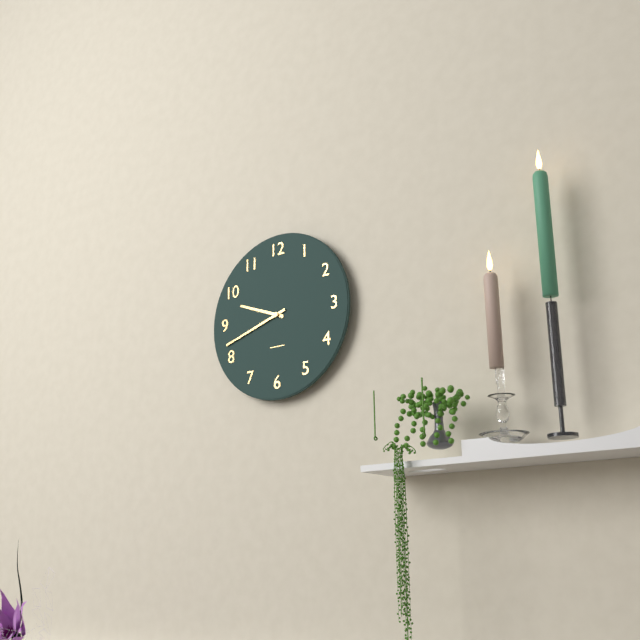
**9:42**
